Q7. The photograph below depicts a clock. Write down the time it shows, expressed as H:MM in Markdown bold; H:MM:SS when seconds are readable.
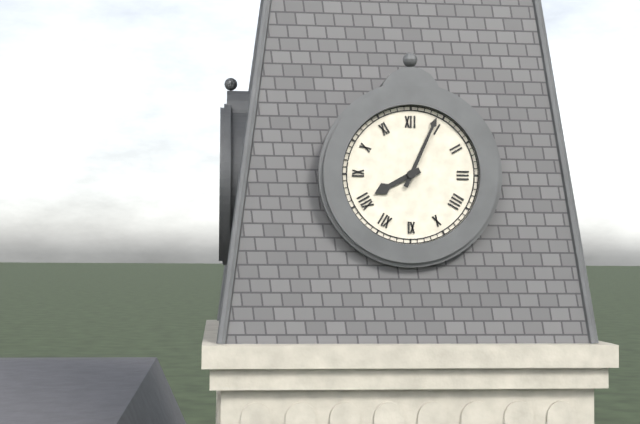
**8:04**
